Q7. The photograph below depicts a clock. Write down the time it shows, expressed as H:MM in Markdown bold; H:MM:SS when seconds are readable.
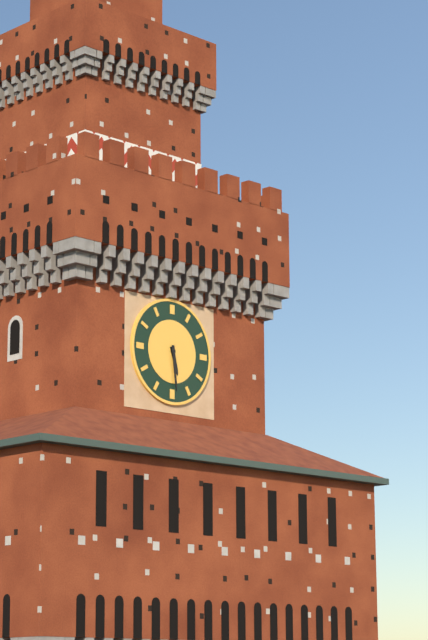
**5:29**
